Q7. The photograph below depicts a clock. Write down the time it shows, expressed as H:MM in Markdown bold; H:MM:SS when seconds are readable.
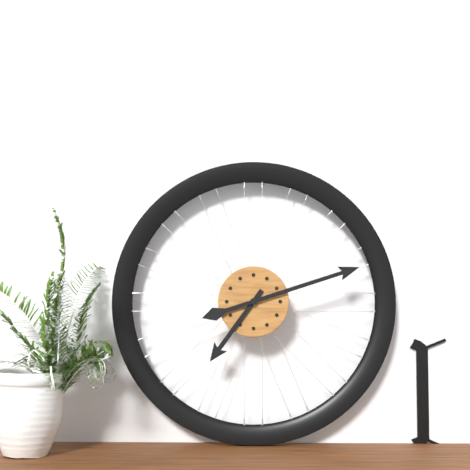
**7:12**
